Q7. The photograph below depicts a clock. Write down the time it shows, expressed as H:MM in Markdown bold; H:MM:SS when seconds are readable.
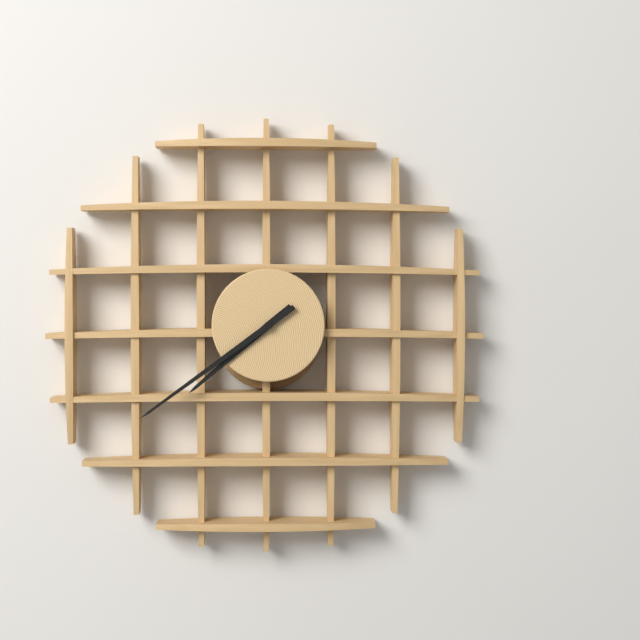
**7:39**
